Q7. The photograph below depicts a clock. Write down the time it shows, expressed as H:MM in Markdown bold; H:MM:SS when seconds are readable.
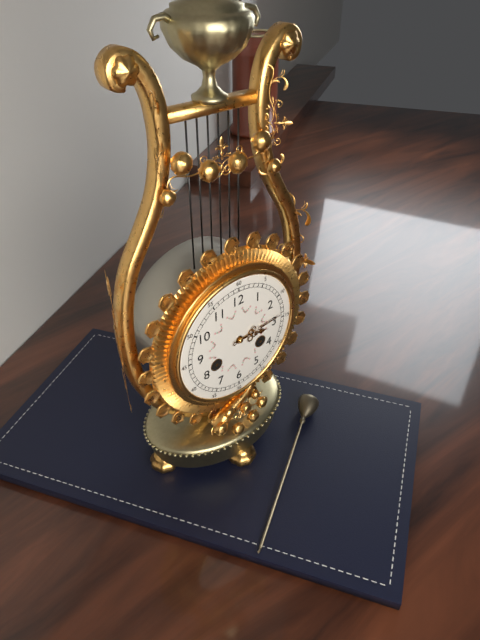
**3:14**
